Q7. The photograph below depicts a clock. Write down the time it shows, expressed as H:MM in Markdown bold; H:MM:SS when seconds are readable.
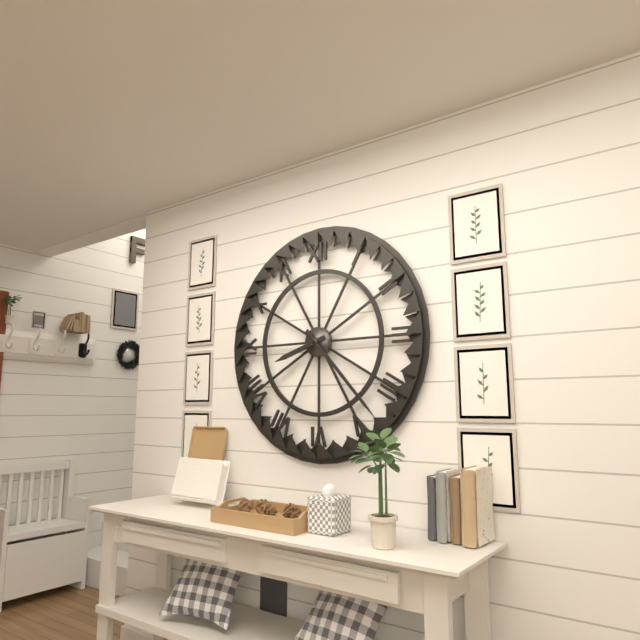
**8:23**
